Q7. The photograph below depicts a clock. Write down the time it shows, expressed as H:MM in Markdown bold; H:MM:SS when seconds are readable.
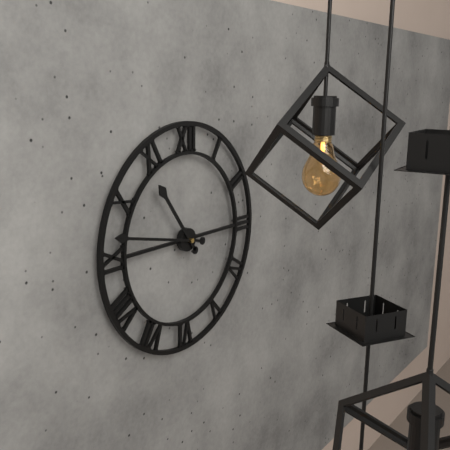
**10:47**
